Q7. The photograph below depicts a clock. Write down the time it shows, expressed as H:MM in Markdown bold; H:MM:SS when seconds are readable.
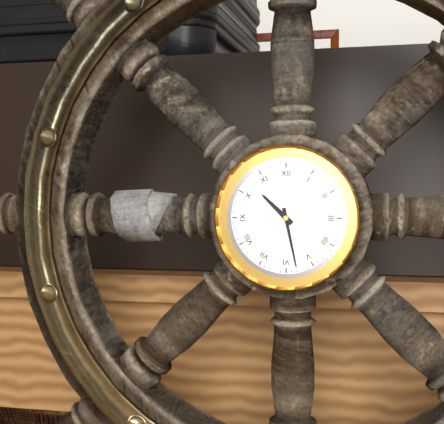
**10:28**
